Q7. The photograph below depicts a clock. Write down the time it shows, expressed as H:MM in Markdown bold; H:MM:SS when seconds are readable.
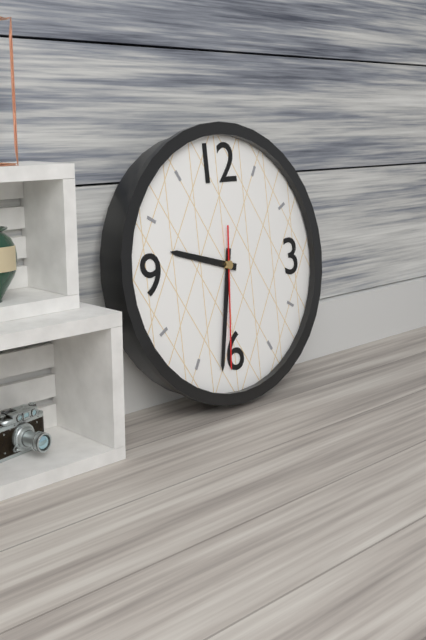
**9:32:31**
